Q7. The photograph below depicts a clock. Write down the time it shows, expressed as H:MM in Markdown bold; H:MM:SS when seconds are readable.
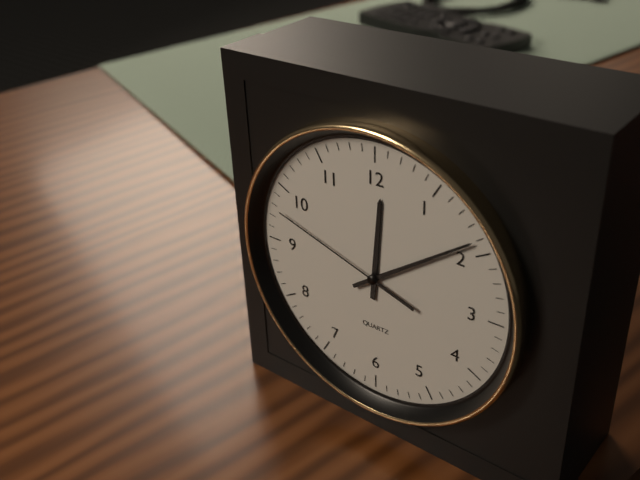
**12:09:48**
